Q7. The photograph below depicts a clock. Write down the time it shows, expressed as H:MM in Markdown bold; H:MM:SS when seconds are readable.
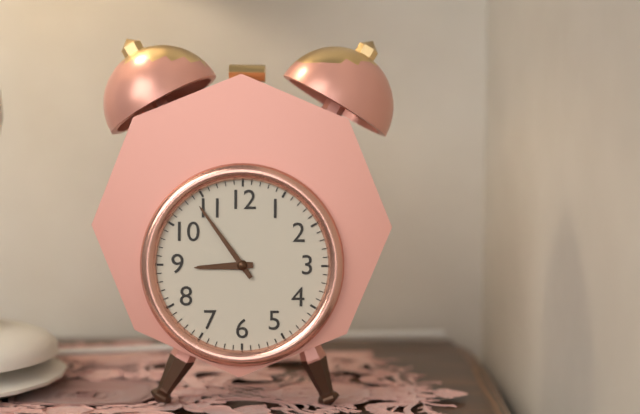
**8:54**
